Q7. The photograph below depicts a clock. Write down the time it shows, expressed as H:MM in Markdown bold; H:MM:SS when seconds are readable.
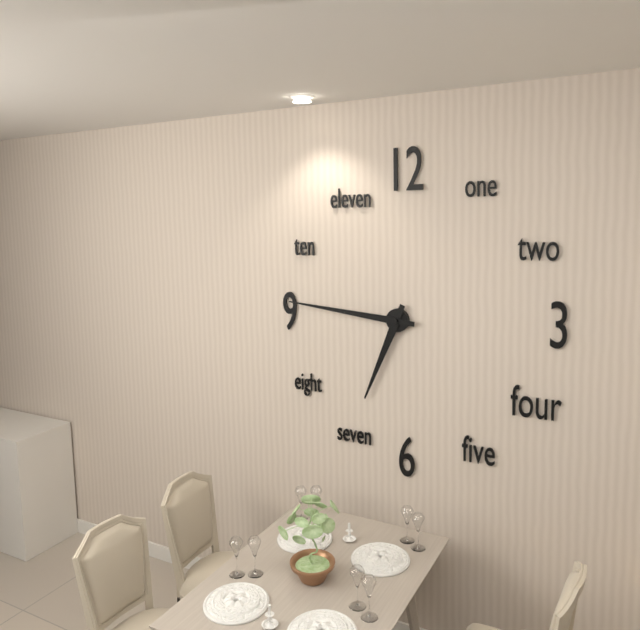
**6:46**
